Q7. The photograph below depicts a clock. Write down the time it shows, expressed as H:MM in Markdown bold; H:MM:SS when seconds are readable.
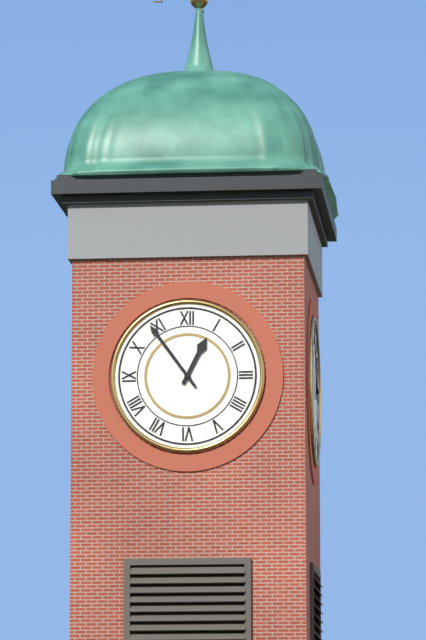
**12:54**
